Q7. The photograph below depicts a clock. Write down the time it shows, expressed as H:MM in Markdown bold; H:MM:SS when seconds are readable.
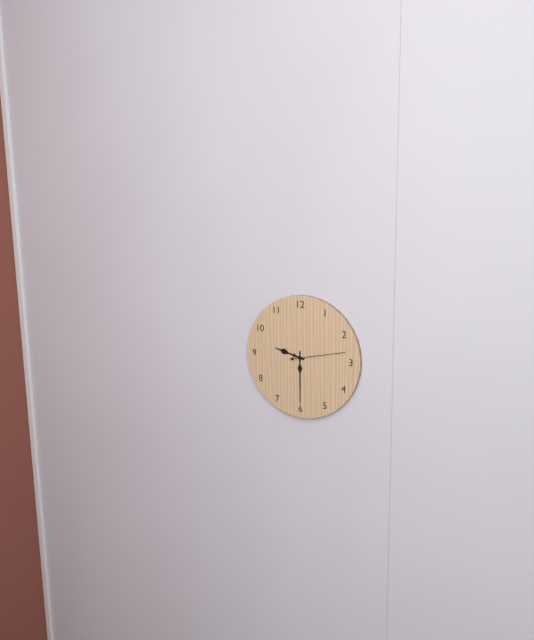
**9:30:13**
